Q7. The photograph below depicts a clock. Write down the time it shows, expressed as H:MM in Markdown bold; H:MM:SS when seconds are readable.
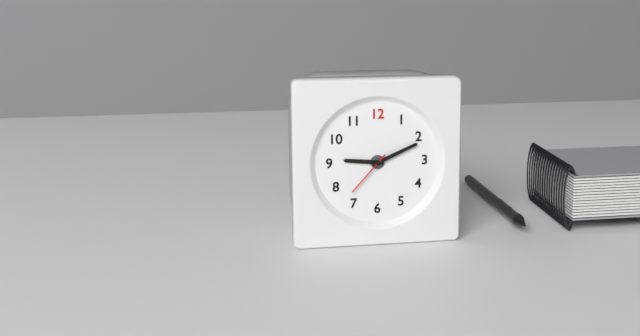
**9:11**
